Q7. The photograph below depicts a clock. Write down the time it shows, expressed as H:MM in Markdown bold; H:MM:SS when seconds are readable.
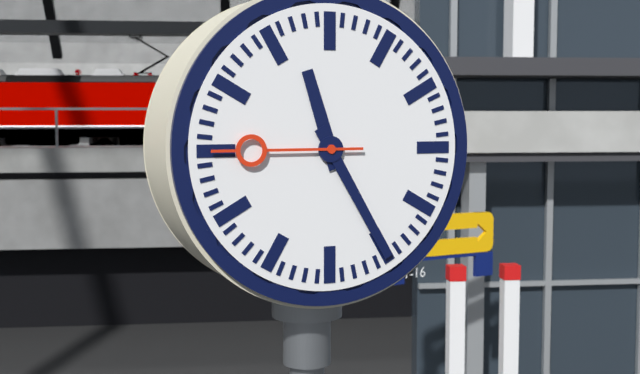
**11:25:45**
